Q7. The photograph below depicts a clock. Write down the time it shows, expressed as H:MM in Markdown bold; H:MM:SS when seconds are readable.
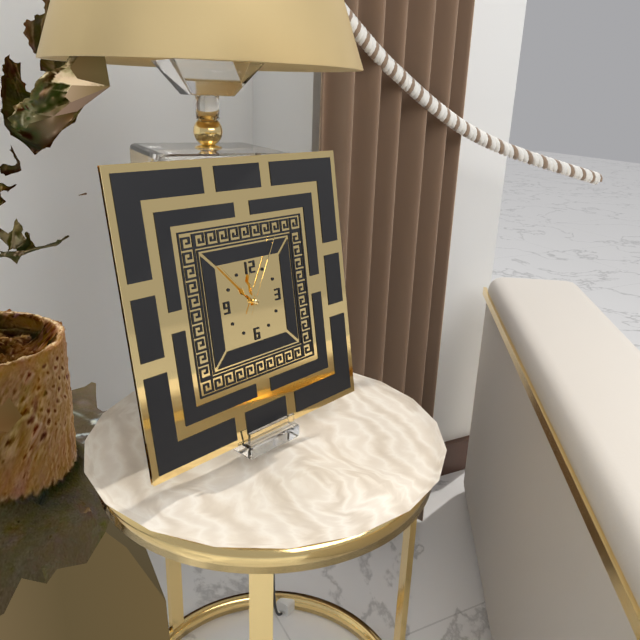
**11:53:05**
